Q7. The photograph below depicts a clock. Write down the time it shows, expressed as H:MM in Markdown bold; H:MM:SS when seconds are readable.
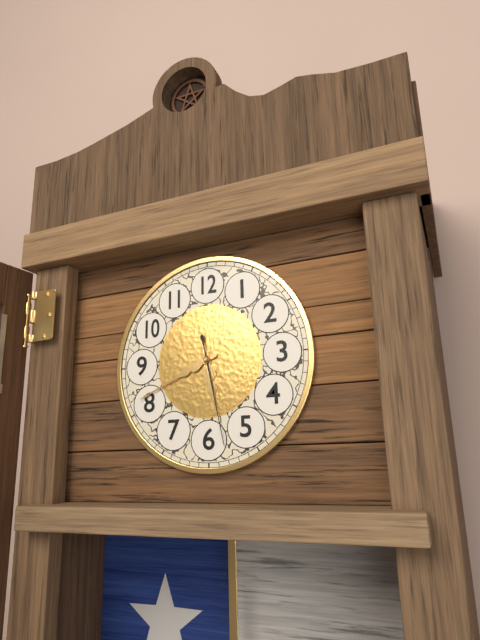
**5:41:28**
